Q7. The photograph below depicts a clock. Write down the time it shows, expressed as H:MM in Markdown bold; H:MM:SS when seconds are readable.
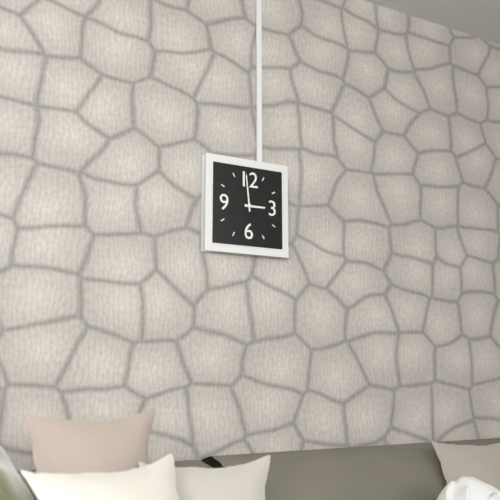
**2:59**
